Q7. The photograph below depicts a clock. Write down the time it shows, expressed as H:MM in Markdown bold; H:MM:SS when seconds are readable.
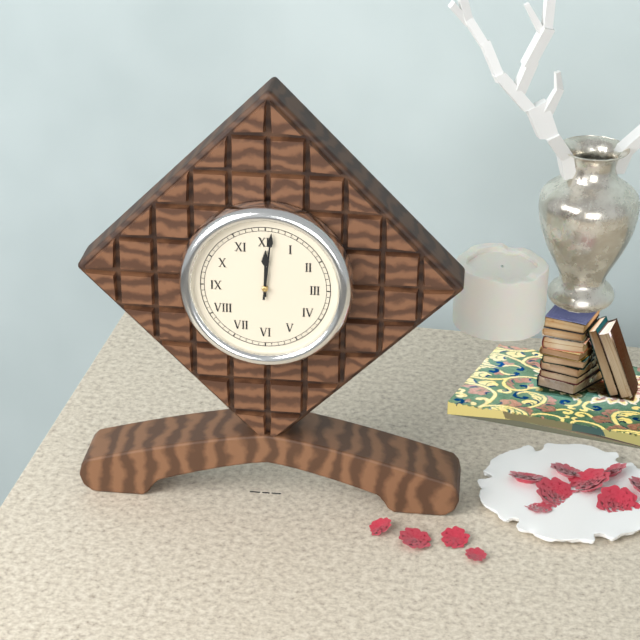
**12:01**
